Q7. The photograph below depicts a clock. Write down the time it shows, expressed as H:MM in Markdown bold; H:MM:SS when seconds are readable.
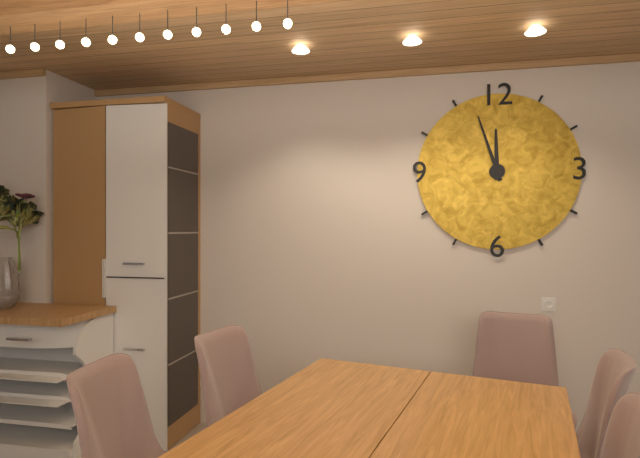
**11:57**
